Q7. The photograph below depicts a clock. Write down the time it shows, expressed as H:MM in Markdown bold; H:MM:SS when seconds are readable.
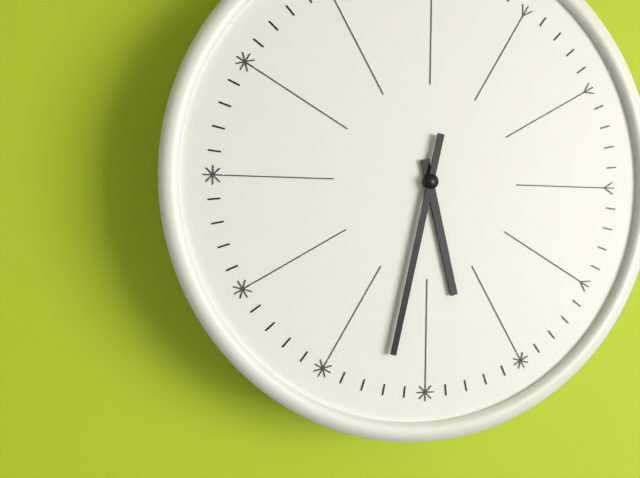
**5:32**
